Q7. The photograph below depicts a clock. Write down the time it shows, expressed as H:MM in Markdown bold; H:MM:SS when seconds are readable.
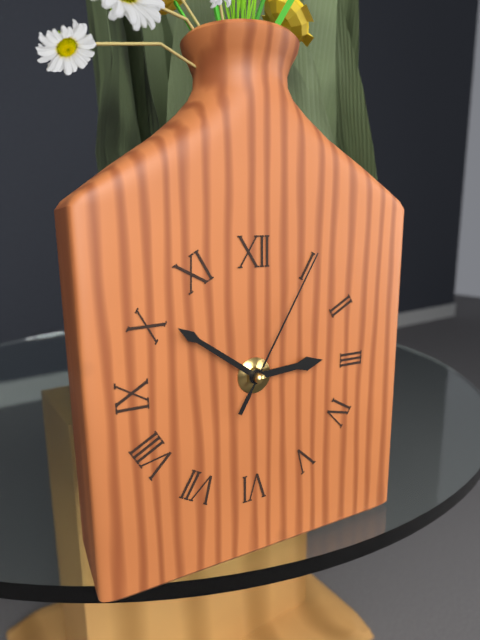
**2:51:05**
